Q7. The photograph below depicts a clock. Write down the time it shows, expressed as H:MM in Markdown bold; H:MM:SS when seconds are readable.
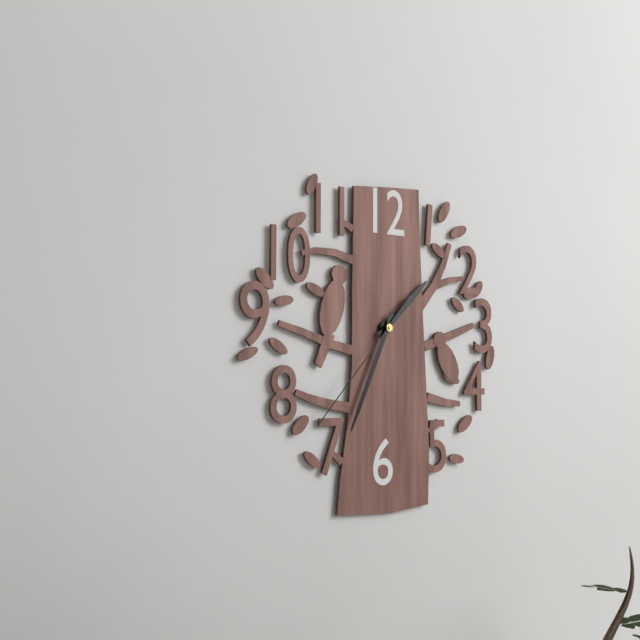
**1:34:37**
